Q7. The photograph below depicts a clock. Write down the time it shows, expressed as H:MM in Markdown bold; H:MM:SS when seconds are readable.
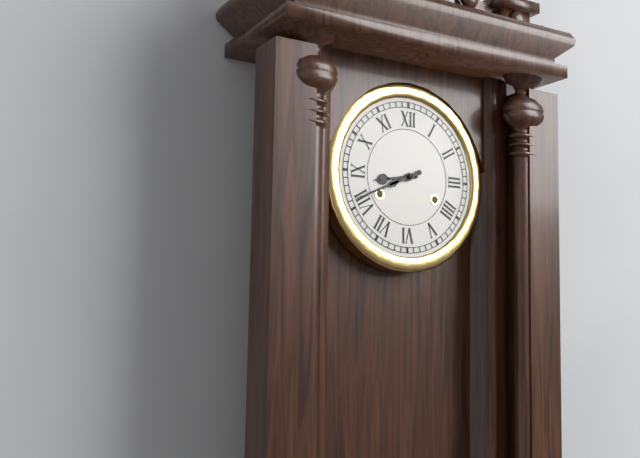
**8:41**
